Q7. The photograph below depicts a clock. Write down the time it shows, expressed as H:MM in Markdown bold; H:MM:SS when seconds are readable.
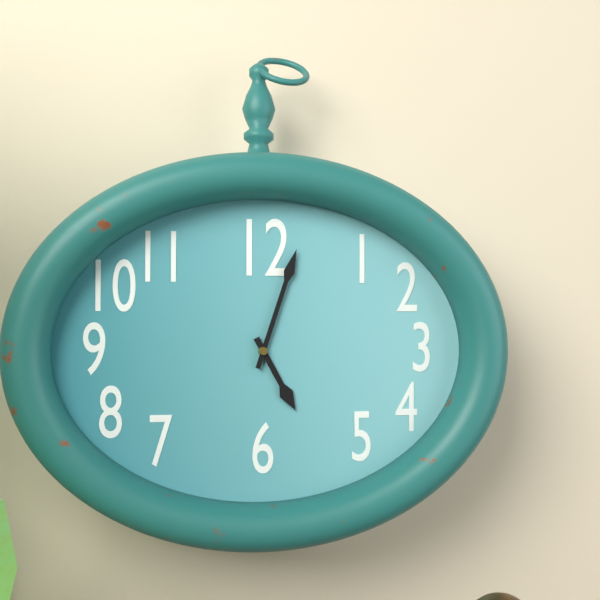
**5:03**
